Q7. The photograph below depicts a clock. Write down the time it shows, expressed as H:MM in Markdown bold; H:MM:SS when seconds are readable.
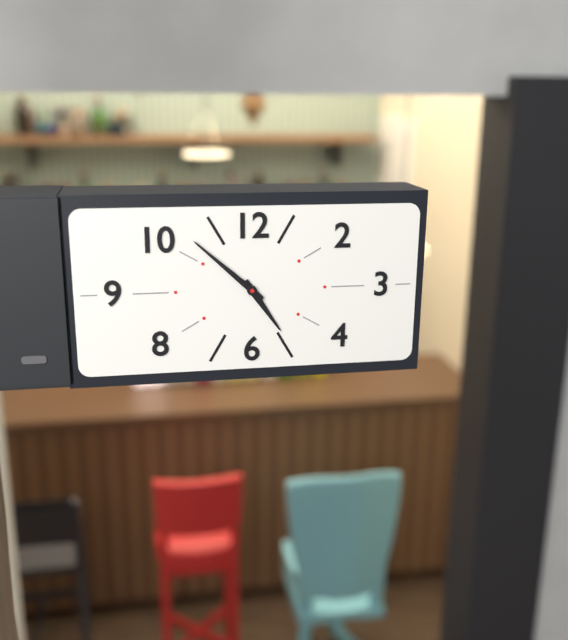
**4:52**
